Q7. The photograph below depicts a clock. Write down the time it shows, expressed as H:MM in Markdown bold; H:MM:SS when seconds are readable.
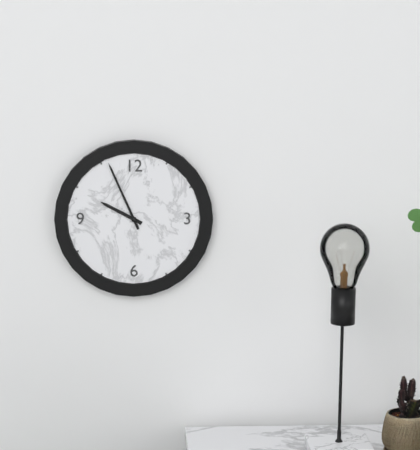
**9:56**
